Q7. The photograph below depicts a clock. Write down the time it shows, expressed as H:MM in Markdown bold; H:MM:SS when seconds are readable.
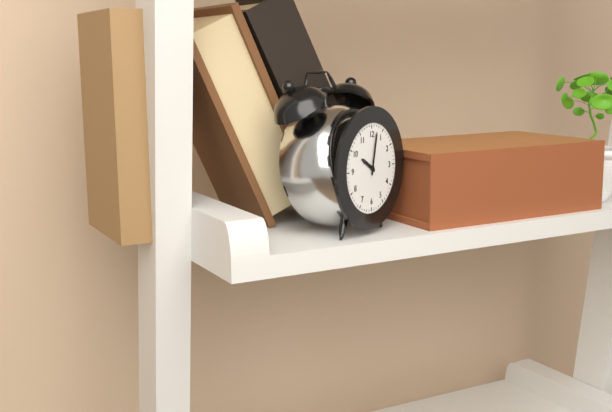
**10:02**
